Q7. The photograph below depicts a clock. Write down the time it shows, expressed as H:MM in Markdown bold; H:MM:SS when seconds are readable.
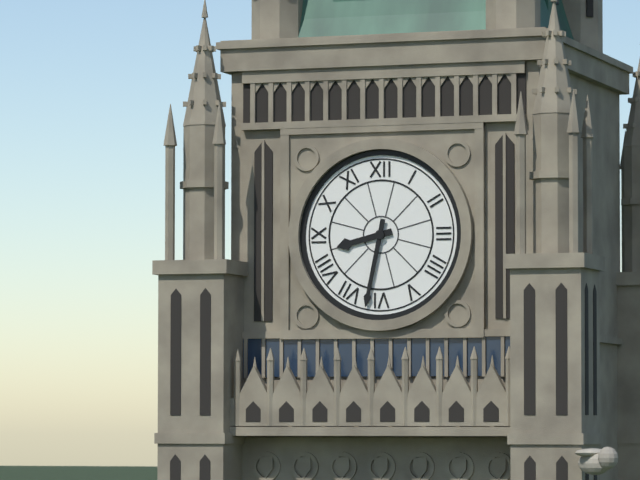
**8:32**
